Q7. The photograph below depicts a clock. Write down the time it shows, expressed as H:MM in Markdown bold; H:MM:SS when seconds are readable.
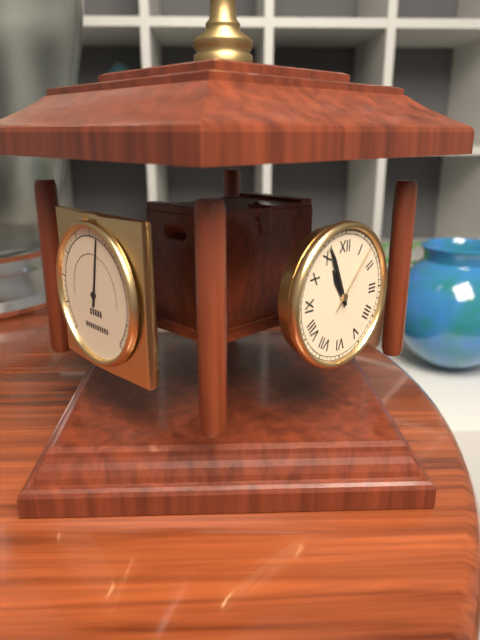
**10:56:07**
